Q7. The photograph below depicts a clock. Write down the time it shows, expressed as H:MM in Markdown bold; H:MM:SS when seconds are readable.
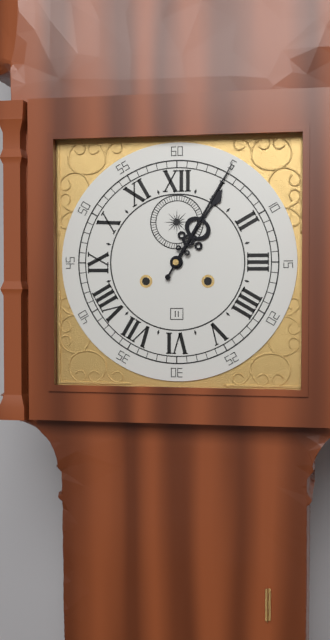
**1:05**
